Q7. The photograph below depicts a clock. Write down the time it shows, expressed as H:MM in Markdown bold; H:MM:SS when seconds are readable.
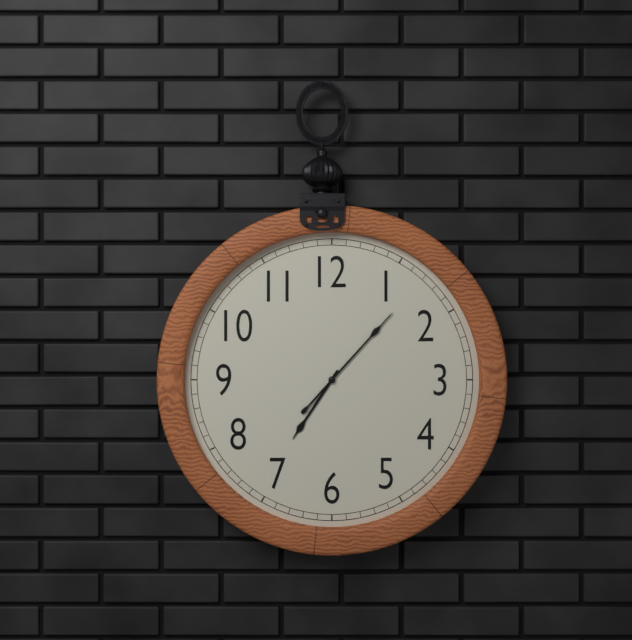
**7:07**
